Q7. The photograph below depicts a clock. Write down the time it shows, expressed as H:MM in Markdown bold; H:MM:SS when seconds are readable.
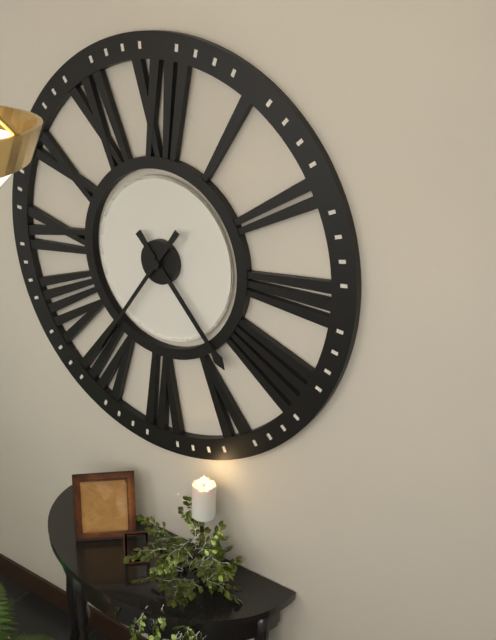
**4:36**
